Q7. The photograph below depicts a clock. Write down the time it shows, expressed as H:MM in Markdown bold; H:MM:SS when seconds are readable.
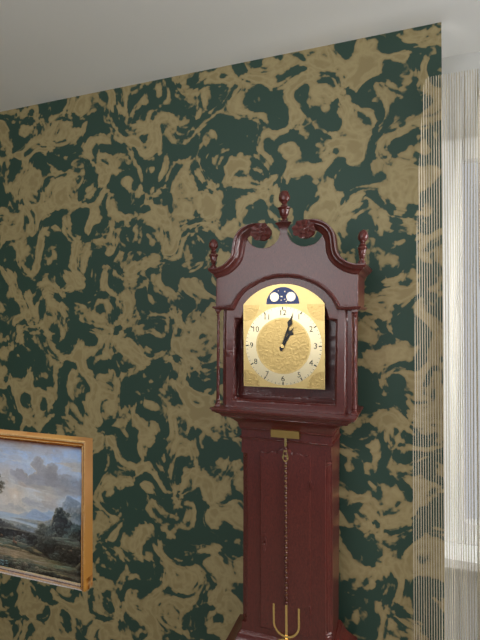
**1:03**
